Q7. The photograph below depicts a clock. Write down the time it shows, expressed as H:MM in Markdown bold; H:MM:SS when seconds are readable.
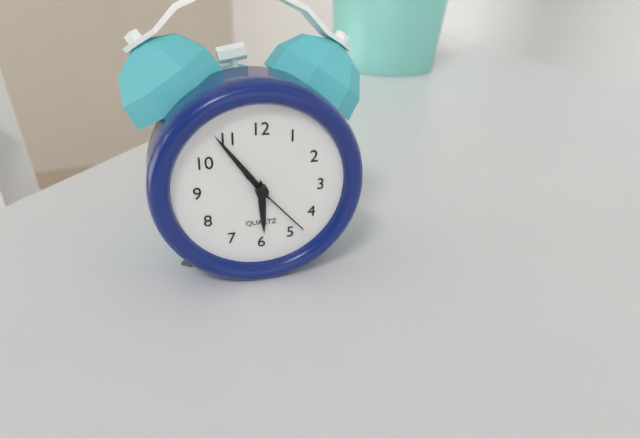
**5:54:23**
